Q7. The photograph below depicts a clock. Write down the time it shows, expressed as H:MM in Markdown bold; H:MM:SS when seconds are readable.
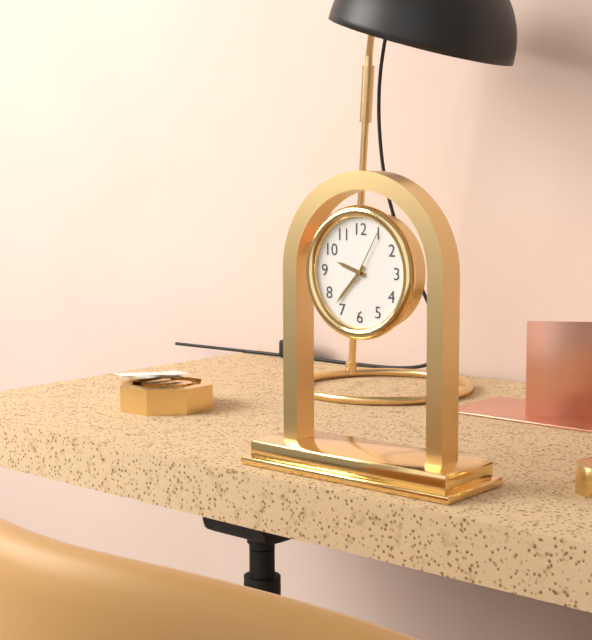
**9:37:05**
